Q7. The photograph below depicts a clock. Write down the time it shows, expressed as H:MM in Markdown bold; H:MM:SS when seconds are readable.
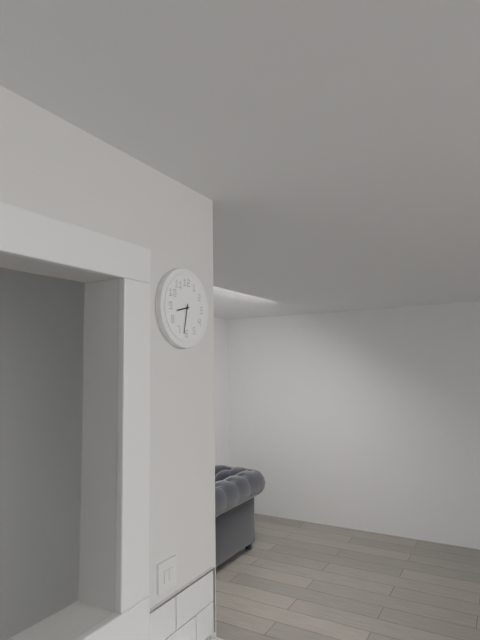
**8:32**
